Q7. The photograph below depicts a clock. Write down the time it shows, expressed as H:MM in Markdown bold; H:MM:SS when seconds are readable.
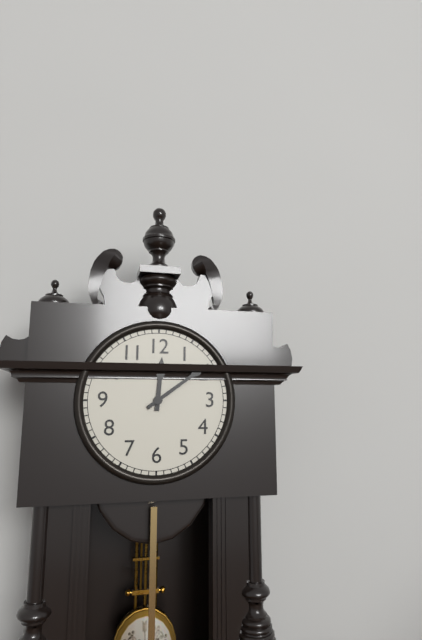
**12:09**
